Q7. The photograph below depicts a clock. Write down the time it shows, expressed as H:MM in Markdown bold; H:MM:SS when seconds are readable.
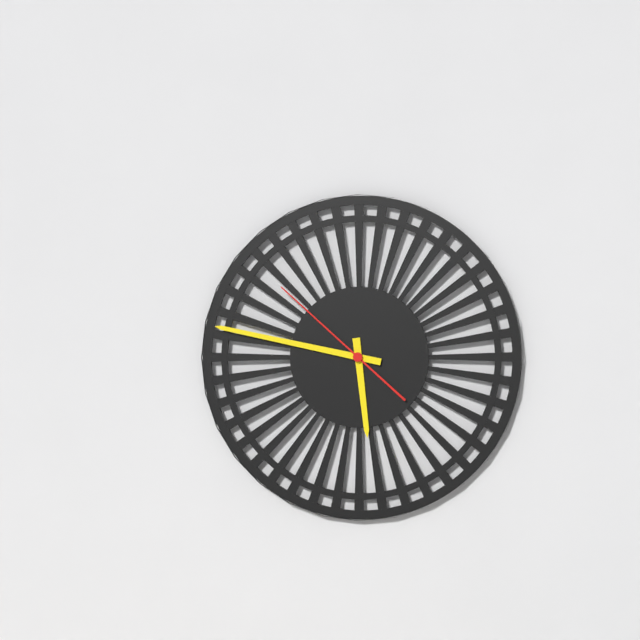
**5:47:52**
